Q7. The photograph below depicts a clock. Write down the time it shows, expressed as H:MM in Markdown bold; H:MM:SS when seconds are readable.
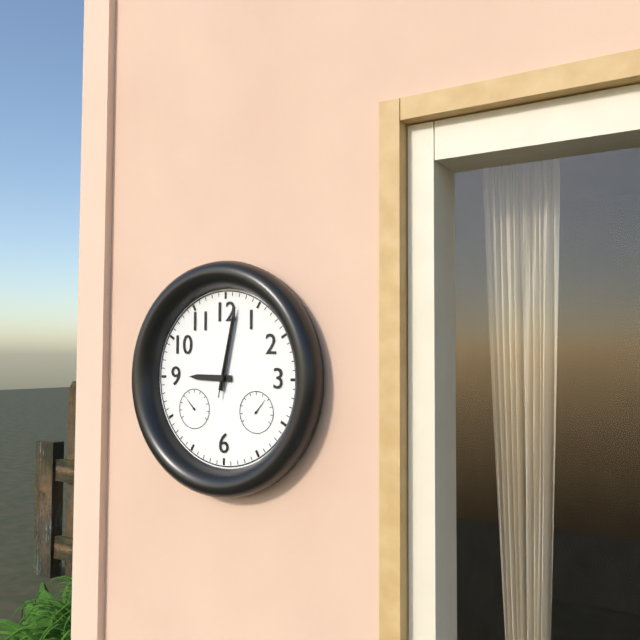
**9:02:02**
